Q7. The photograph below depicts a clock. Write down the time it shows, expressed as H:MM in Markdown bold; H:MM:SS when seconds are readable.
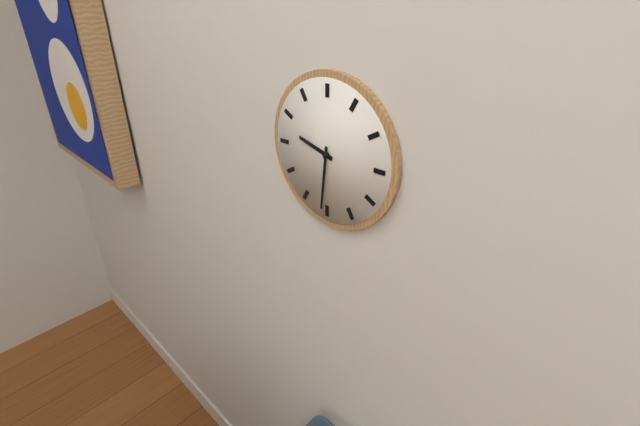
**9:31**
